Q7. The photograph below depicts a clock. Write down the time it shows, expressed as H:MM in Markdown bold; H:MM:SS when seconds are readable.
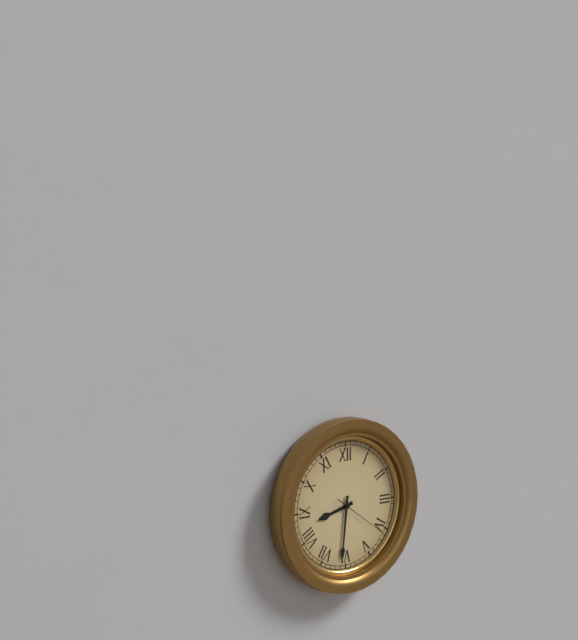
**8:31:21**
